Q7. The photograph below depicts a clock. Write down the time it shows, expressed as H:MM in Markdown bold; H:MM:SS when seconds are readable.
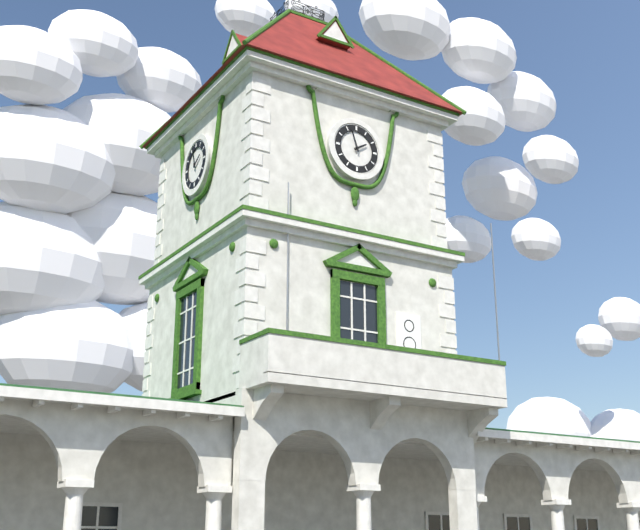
**1:57**
